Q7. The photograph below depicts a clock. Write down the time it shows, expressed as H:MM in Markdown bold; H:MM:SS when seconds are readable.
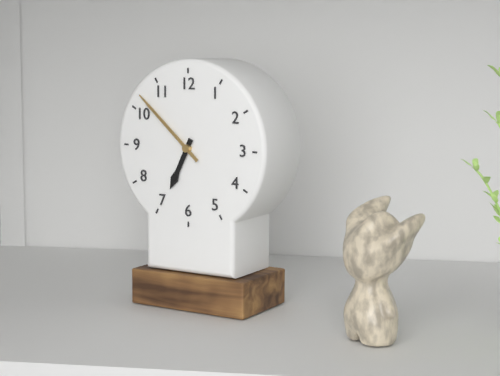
**6:52**
